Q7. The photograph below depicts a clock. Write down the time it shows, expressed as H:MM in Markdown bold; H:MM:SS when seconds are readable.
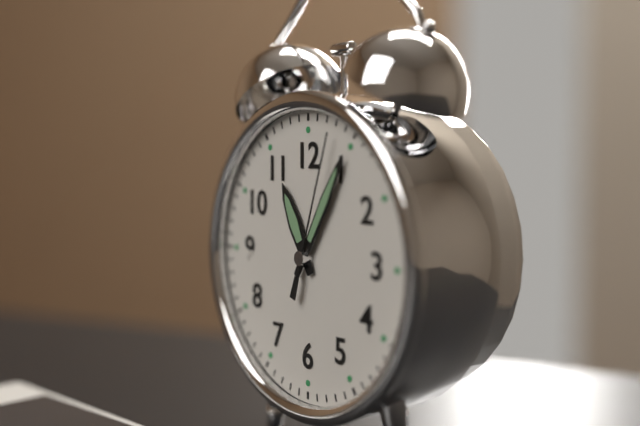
**11:05:03**
